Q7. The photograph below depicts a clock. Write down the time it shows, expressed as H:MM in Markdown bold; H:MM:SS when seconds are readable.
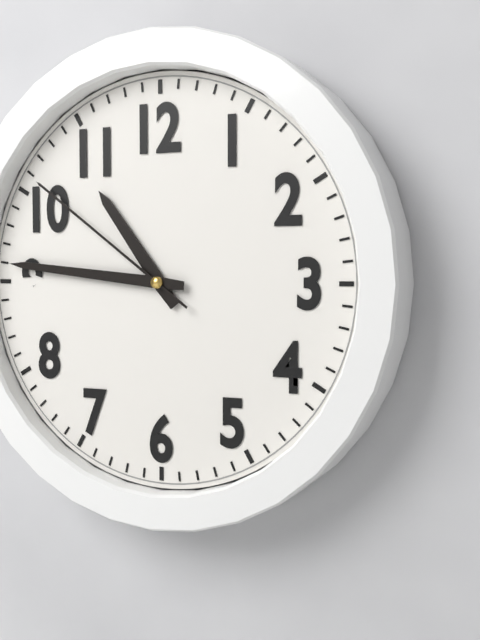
**10:46:51**
